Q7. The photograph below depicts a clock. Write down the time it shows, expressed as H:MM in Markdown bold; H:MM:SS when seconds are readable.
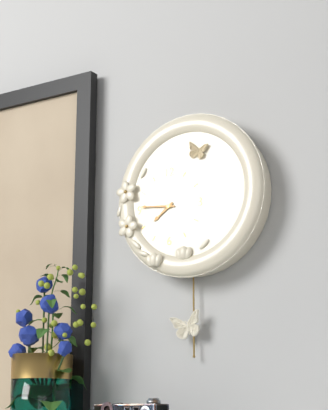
**7:46**
